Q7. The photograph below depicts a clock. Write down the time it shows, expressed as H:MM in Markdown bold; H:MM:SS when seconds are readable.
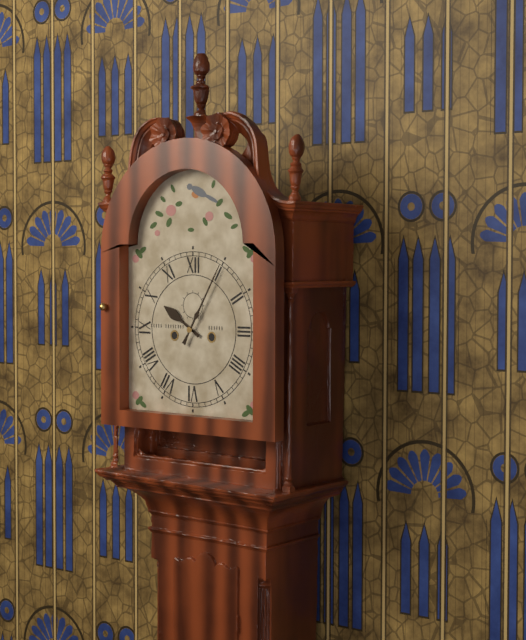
**10:05**
